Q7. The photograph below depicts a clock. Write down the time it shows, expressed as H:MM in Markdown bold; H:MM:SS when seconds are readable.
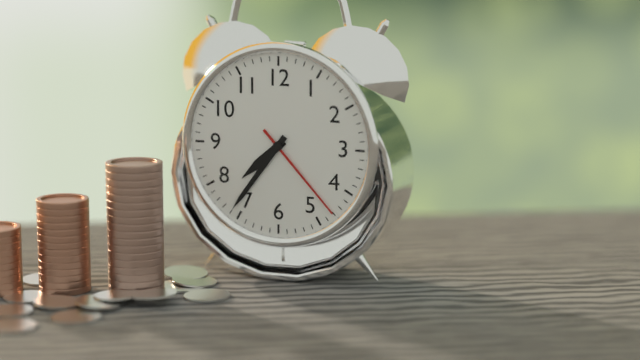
**7:36:23**
